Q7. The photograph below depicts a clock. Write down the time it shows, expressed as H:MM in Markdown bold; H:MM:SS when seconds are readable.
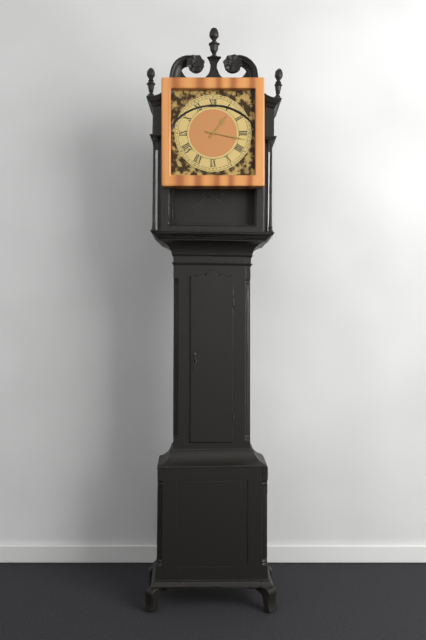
**1:17**
